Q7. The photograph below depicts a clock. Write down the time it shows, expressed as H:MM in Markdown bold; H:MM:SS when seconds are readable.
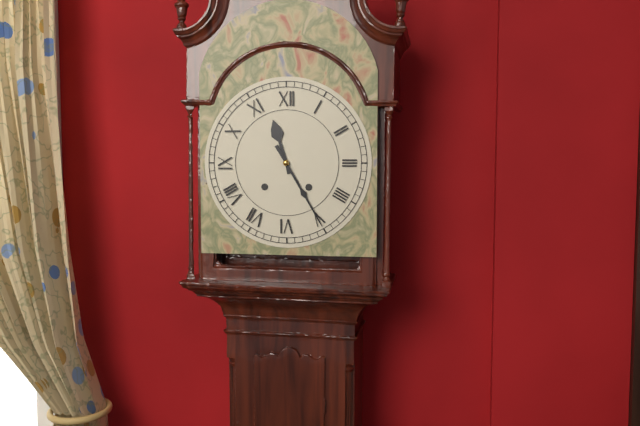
**11:25**
